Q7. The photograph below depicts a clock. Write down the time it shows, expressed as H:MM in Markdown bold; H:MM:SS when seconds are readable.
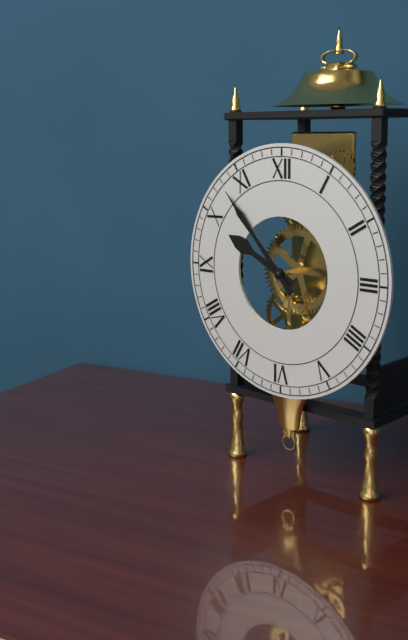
**9:53**
